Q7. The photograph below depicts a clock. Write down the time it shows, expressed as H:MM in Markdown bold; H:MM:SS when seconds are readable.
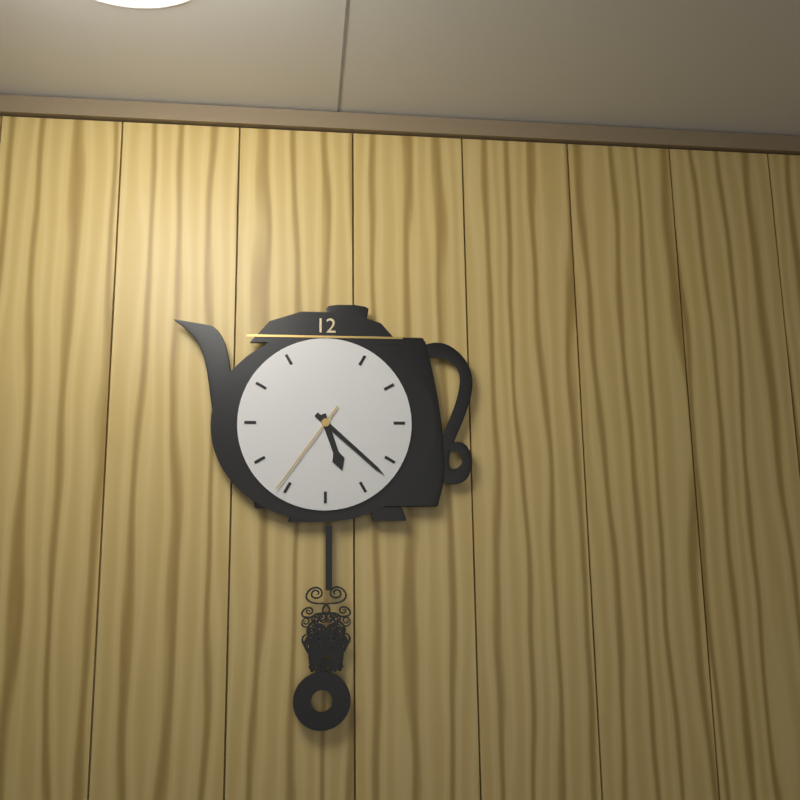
**5:22:36**
